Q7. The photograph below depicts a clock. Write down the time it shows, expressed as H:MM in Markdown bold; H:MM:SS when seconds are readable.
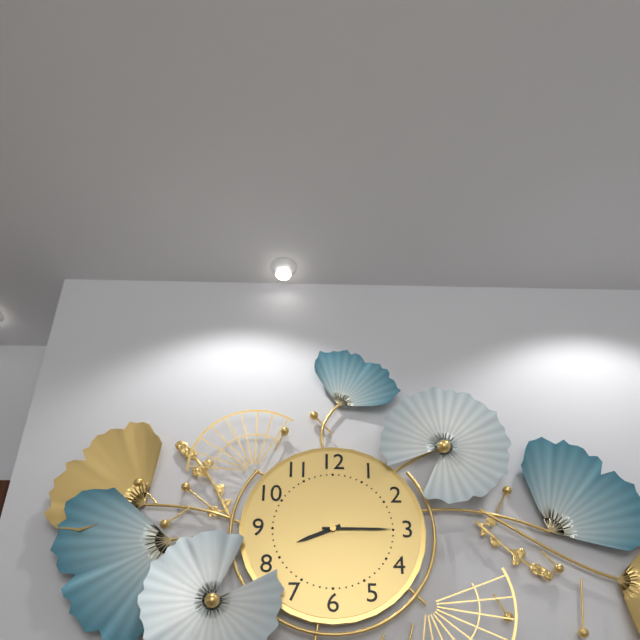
**8:15**
